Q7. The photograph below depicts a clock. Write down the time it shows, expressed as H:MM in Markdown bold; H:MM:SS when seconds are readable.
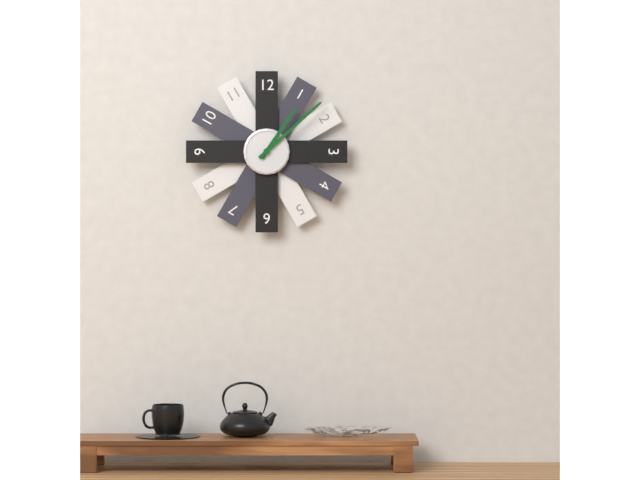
**1:08**
